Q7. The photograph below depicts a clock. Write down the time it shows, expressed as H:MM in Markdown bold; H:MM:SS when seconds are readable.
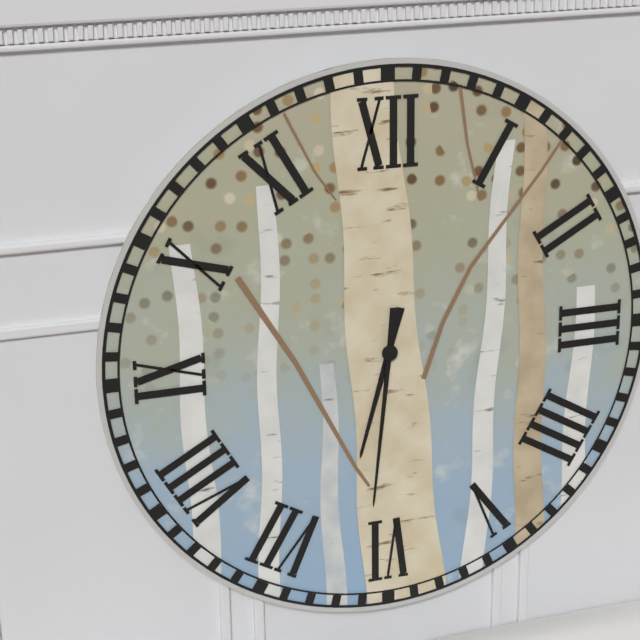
**6:31**
